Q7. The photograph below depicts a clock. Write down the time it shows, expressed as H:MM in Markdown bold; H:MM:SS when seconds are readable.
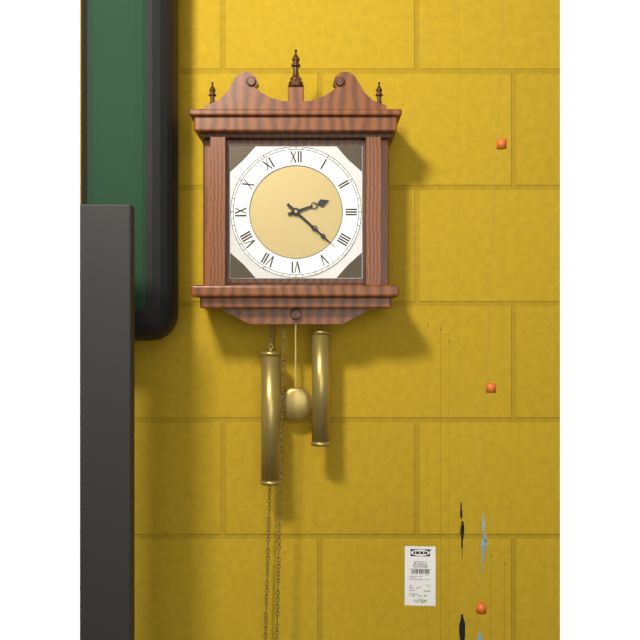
**2:22**
